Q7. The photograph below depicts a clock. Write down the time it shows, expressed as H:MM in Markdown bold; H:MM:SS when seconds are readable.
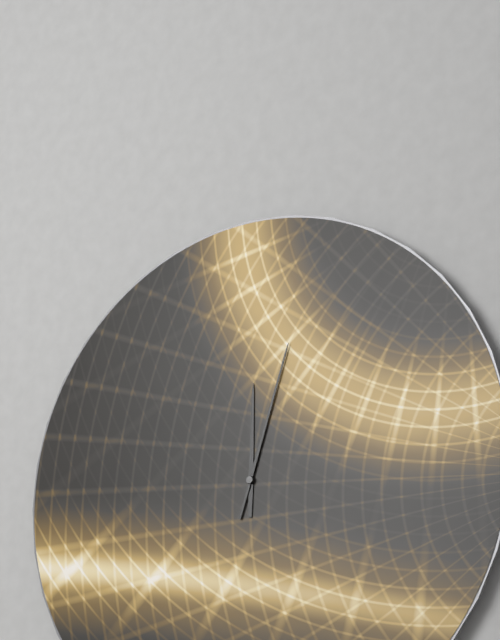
**12:03**
